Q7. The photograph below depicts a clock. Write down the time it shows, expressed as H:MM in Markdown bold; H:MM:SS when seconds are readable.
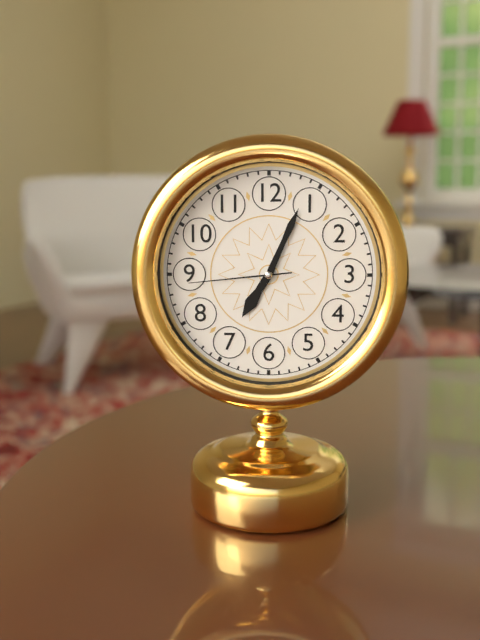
**7:04:44**
